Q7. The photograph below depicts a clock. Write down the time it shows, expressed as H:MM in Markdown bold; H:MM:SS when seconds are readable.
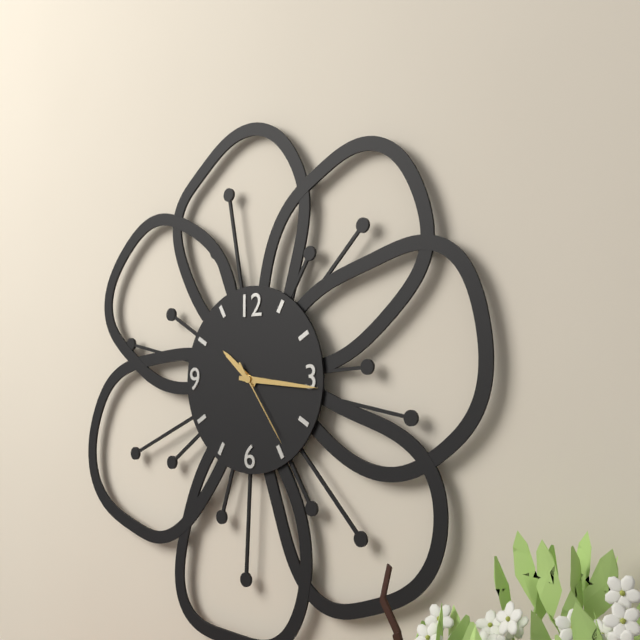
**10:16:24**
